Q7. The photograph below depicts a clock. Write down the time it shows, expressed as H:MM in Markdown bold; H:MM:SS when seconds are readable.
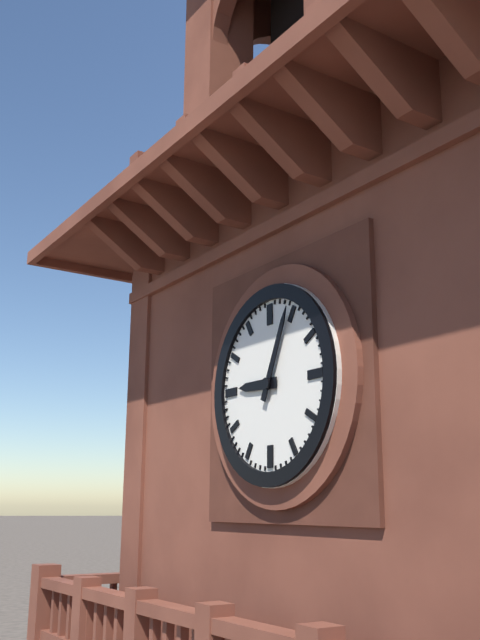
**9:04**
